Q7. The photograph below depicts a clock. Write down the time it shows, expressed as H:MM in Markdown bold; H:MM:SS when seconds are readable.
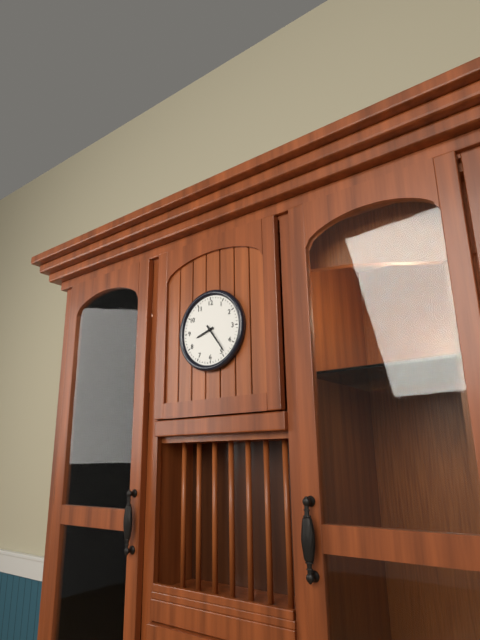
**8:24**
